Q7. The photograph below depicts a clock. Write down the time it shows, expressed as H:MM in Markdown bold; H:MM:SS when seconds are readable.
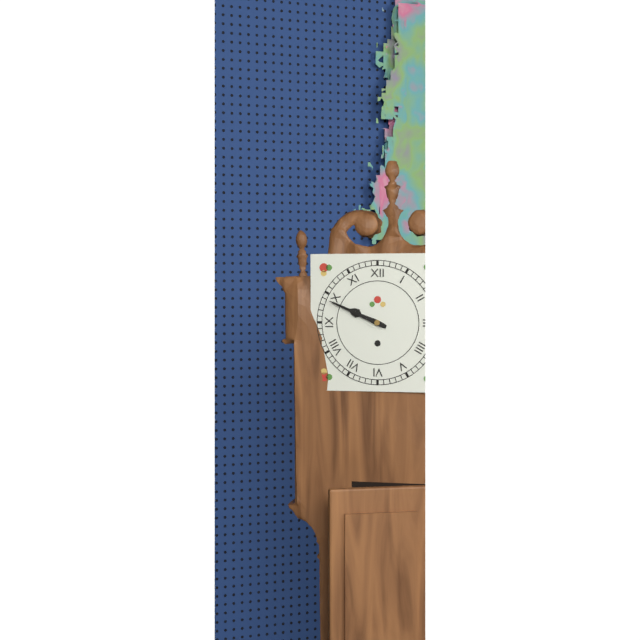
**9:49**
